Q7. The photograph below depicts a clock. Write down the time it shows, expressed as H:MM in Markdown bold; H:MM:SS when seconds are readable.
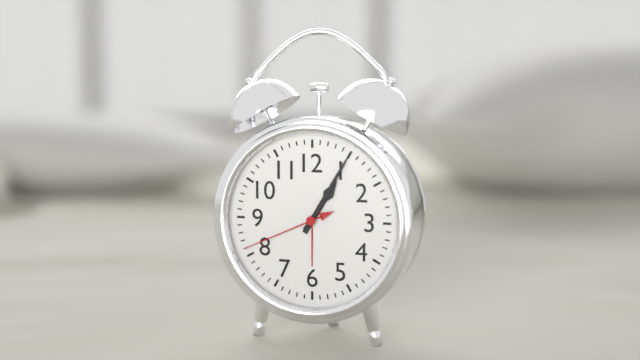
**1:05:41**
